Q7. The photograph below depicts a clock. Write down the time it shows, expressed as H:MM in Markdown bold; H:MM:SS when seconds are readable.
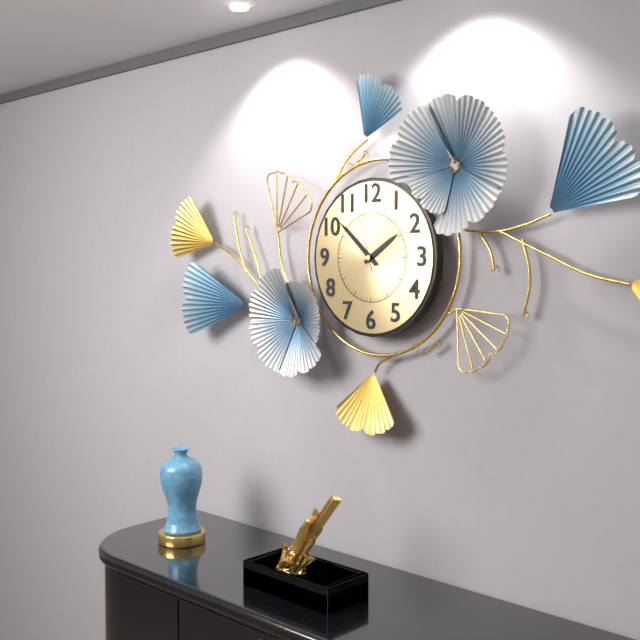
**1:52:57**
